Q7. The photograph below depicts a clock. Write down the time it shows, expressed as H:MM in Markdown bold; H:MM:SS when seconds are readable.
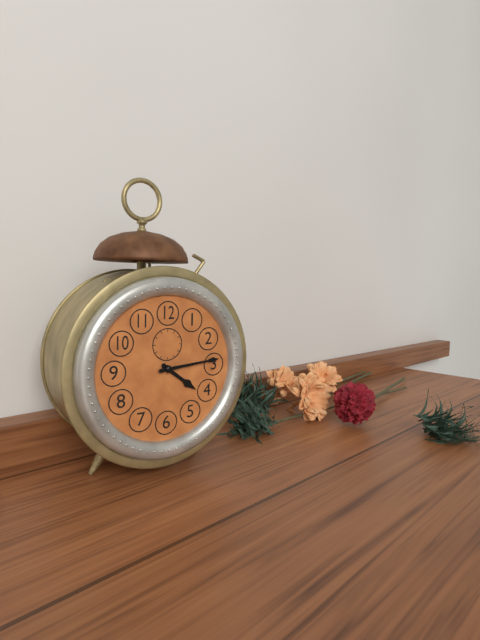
**4:14**
